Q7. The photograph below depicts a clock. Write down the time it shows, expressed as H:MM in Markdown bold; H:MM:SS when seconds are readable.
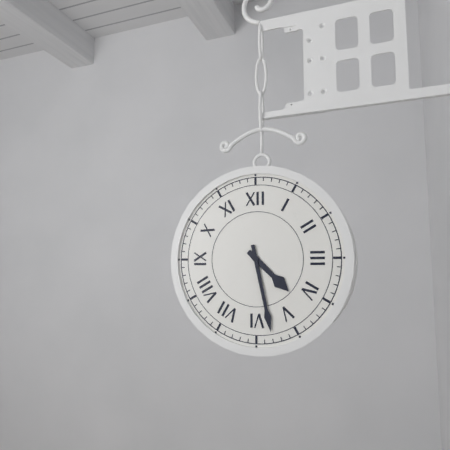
**4:28**
